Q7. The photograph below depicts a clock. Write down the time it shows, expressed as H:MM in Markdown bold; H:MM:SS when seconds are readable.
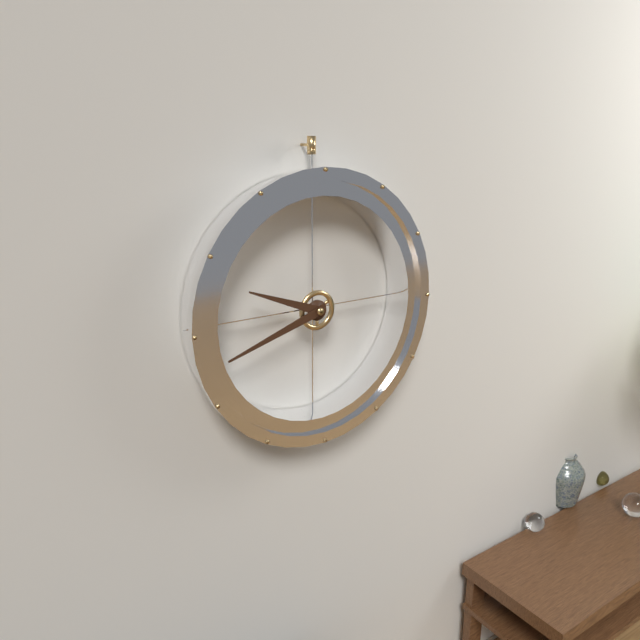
**9:42**
